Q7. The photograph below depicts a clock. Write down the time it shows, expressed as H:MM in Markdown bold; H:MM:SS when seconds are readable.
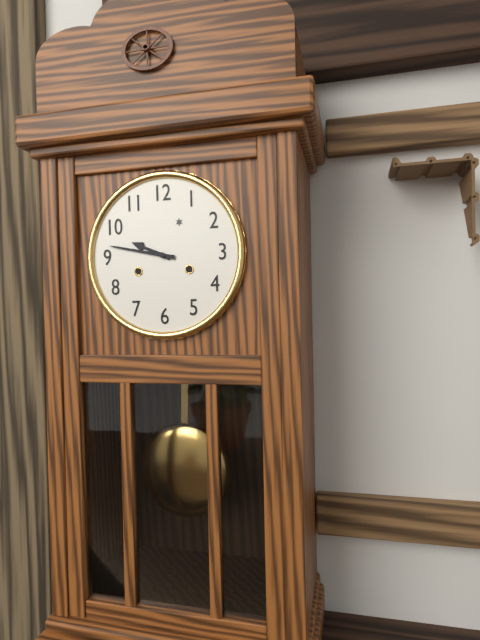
**9:47**
